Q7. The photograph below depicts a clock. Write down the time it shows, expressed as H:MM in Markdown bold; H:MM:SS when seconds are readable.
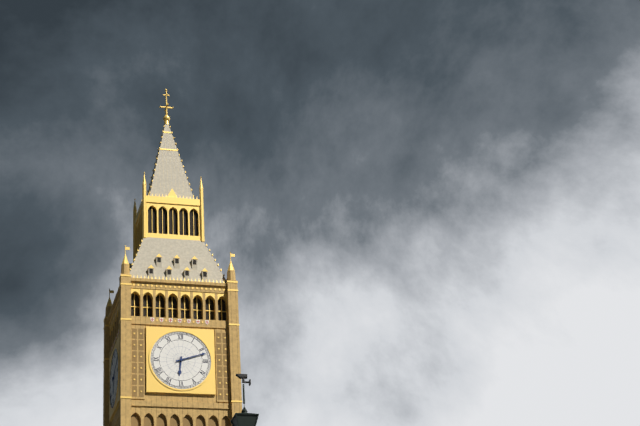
**6:12**
